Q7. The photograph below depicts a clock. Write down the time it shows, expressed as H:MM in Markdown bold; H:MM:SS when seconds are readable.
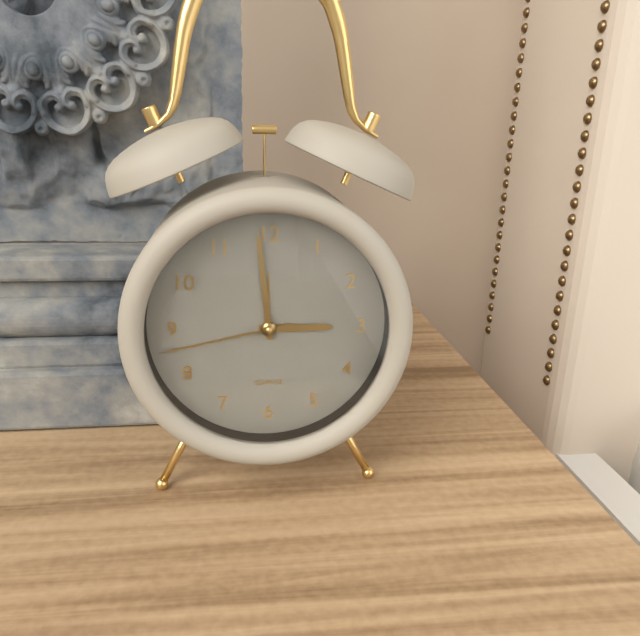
**2:59:43**
